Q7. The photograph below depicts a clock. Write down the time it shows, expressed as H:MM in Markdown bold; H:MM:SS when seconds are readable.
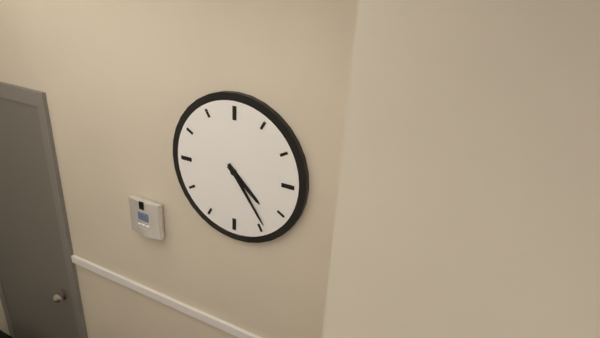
**4:24**
